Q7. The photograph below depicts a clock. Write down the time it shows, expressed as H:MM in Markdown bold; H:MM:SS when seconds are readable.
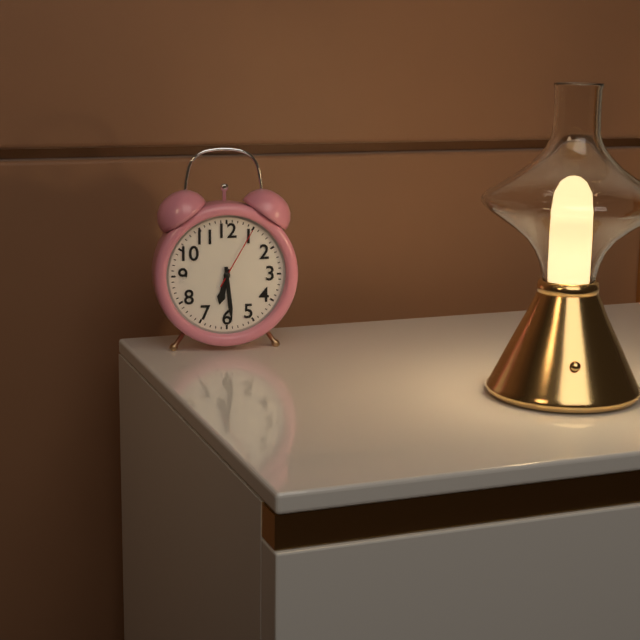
**6:29:05**
